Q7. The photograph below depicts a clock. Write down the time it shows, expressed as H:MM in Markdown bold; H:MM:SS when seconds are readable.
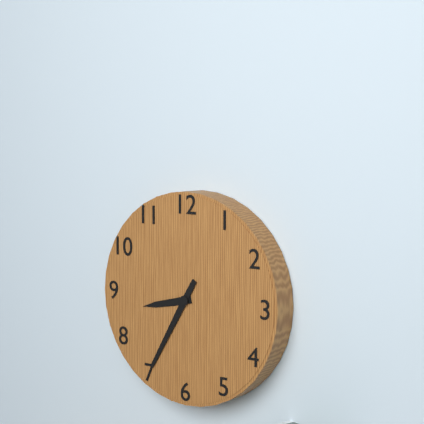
**8:35**
